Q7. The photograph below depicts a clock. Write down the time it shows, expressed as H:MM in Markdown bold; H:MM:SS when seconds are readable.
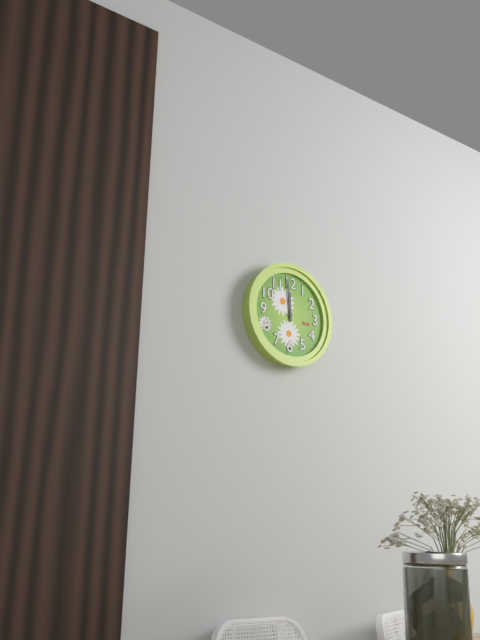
**11:59**
